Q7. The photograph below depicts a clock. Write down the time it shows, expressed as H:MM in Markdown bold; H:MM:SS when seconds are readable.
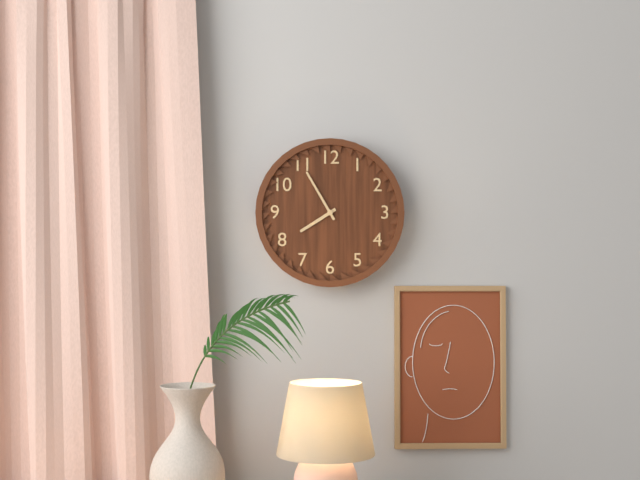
**7:55**
